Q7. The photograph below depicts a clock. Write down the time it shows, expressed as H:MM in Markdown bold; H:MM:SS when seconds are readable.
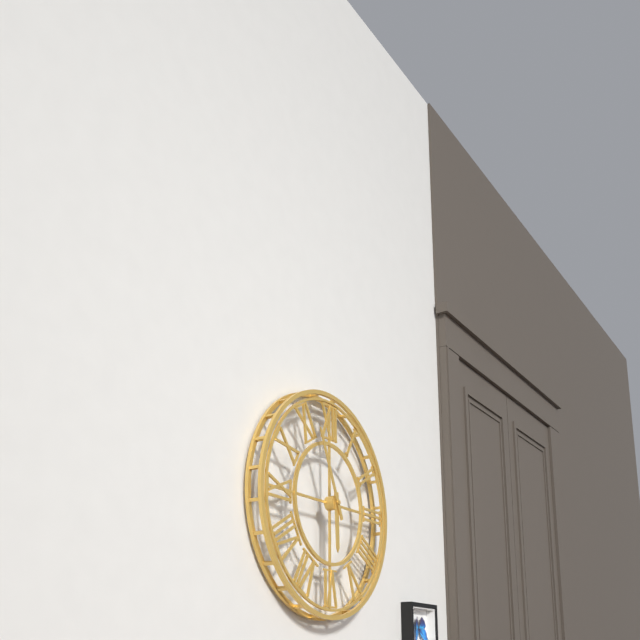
**5:56**
